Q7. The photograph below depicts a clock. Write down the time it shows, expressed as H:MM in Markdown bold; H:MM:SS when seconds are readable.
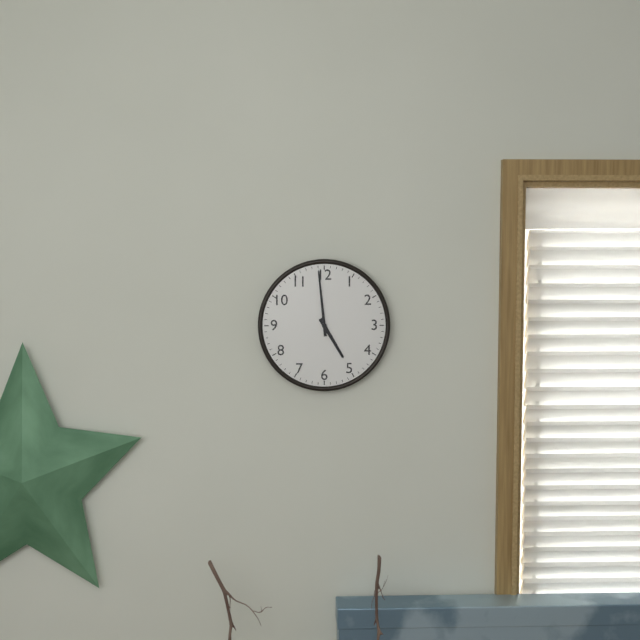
**4:59**
